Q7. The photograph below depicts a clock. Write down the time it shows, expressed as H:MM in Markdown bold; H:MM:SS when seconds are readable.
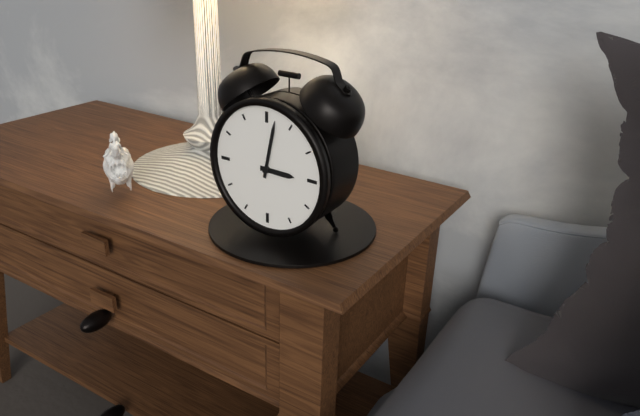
**3:02**
